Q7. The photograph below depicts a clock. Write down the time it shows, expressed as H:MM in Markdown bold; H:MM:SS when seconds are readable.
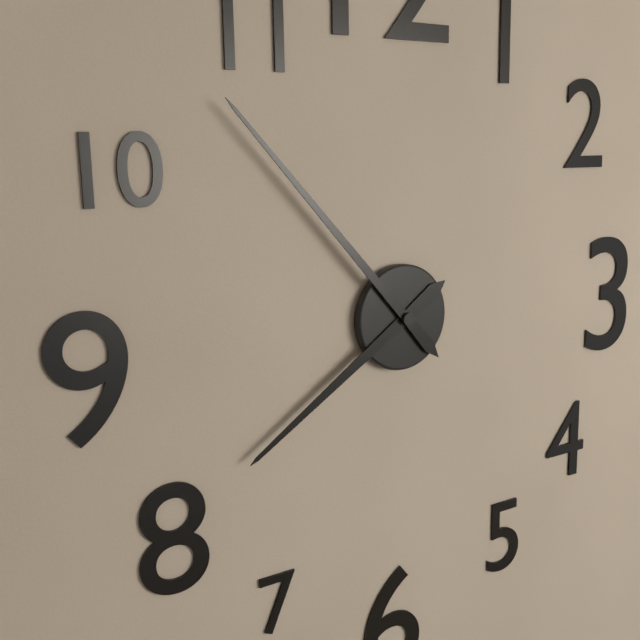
**7:53**
